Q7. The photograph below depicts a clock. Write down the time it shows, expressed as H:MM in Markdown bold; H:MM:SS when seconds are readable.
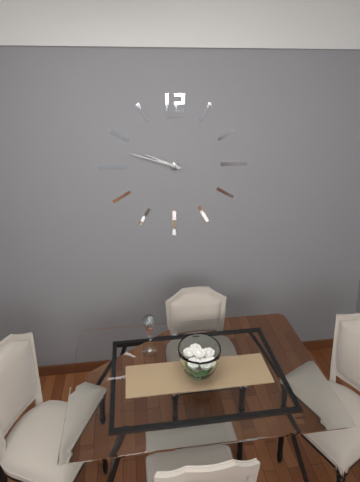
**9:48**
